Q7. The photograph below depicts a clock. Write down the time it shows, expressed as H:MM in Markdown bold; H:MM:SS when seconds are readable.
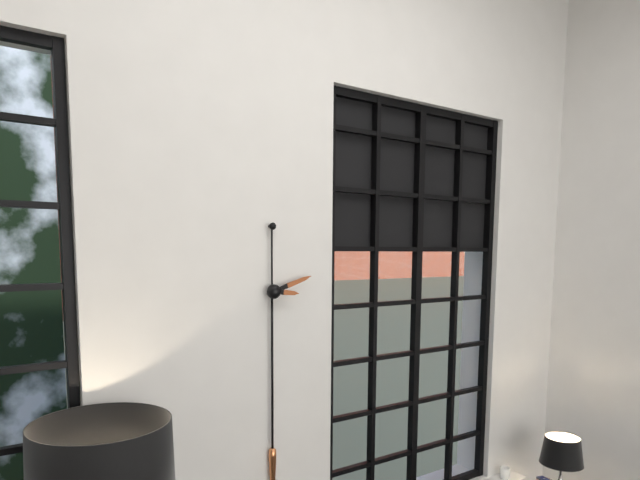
**3:12**
